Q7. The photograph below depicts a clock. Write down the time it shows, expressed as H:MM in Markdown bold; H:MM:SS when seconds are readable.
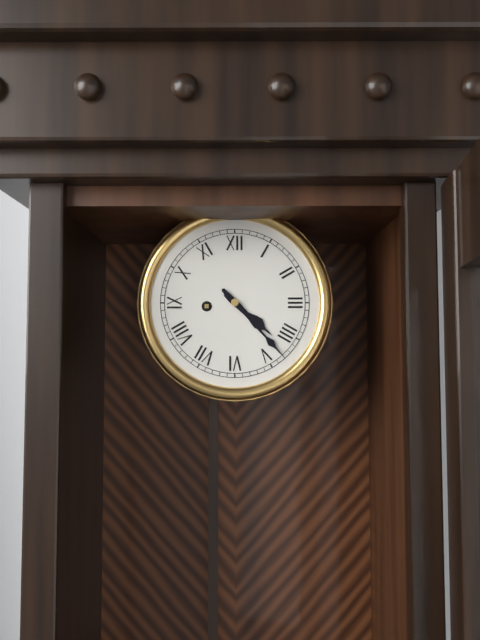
**4:23**
